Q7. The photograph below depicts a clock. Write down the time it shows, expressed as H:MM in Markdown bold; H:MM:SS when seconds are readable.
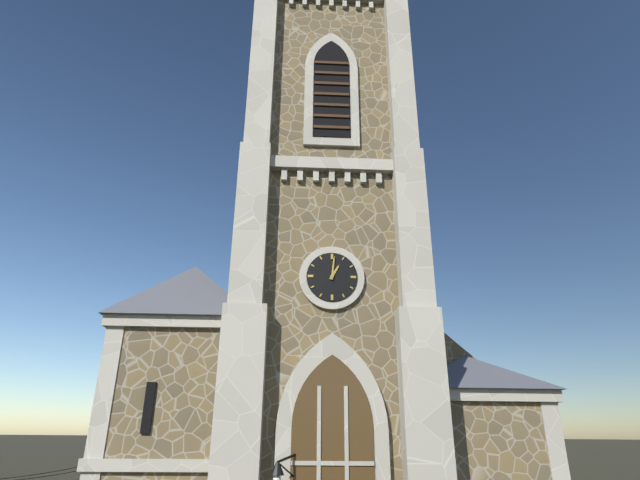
**1:01**
